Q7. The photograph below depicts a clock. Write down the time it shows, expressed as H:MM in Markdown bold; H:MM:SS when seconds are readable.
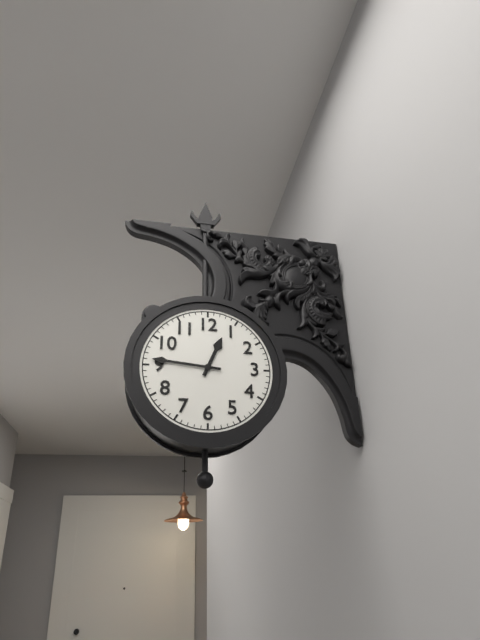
**12:46**
